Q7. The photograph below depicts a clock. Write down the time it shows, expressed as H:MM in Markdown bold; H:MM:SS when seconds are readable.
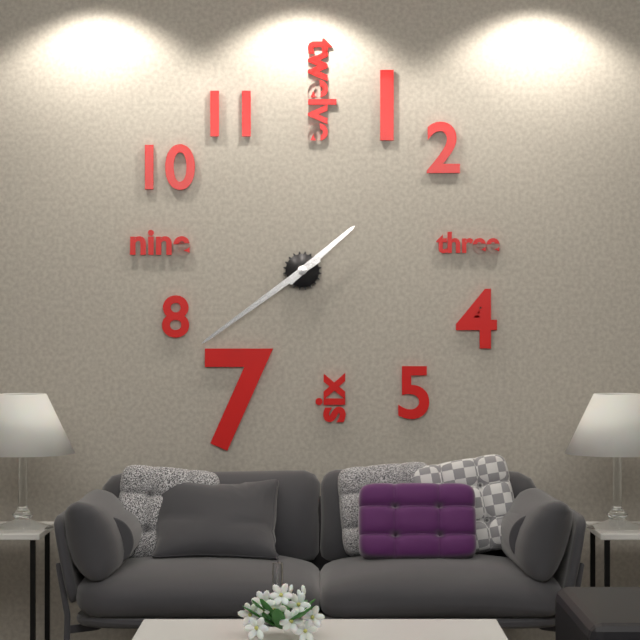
**1:39**
